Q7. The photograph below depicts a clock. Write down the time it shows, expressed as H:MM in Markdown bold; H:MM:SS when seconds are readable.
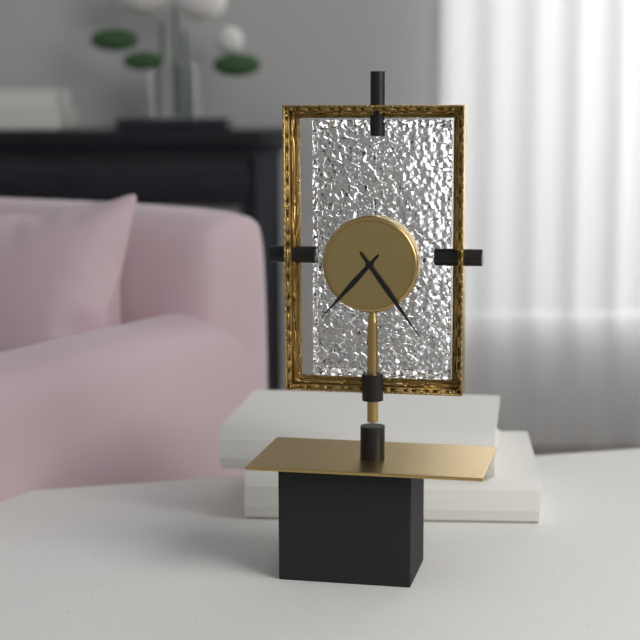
**7:24**
